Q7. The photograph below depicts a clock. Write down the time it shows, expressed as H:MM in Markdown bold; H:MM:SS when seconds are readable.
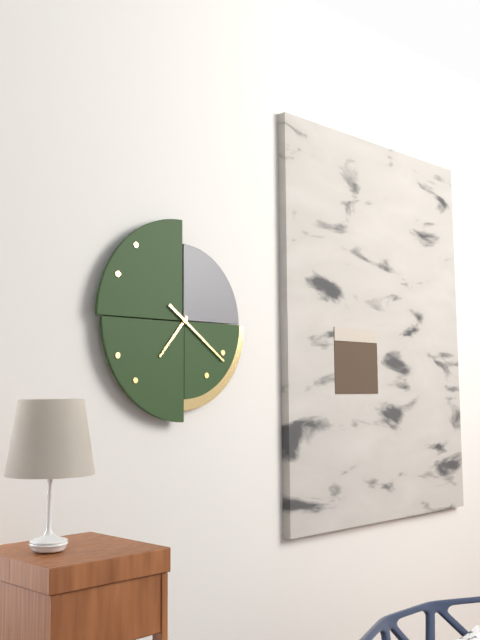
**7:21**
